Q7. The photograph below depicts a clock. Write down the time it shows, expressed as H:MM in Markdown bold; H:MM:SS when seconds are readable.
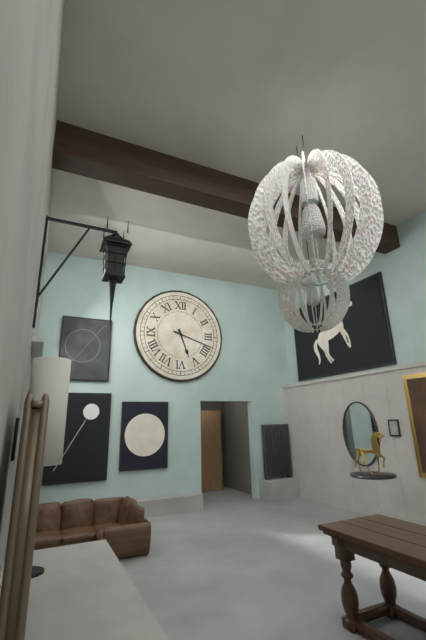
**5:18**
